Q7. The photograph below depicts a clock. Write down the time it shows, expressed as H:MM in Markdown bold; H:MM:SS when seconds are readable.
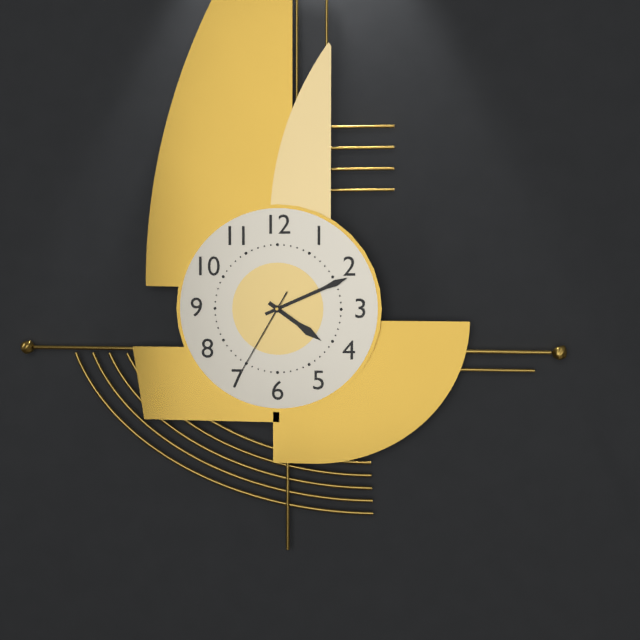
**4:11:35**
